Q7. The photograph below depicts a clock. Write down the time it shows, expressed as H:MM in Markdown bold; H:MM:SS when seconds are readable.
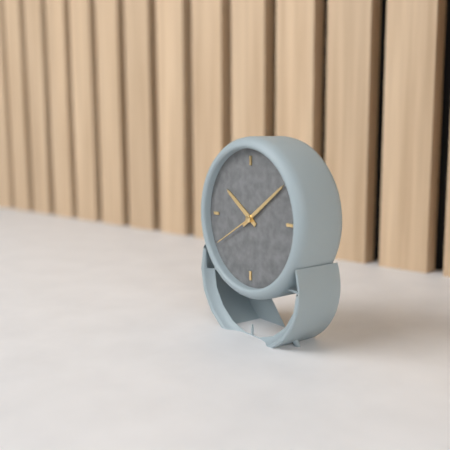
**10:09**
